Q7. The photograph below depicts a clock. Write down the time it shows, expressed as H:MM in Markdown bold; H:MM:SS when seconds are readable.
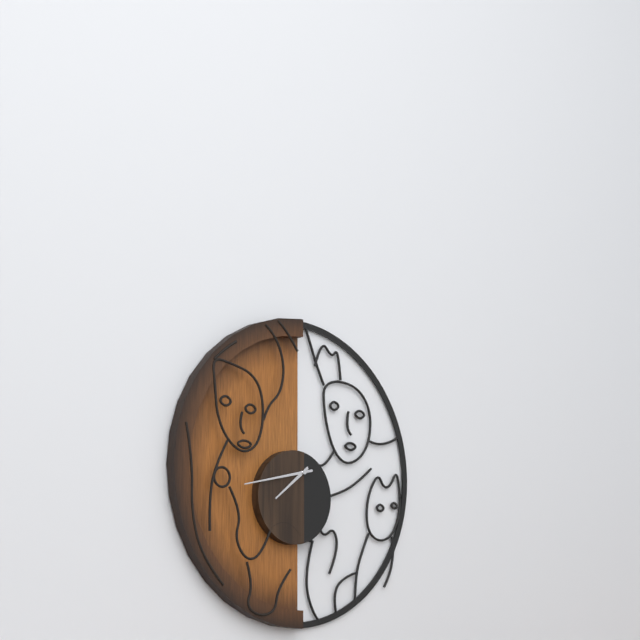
**7:43**
